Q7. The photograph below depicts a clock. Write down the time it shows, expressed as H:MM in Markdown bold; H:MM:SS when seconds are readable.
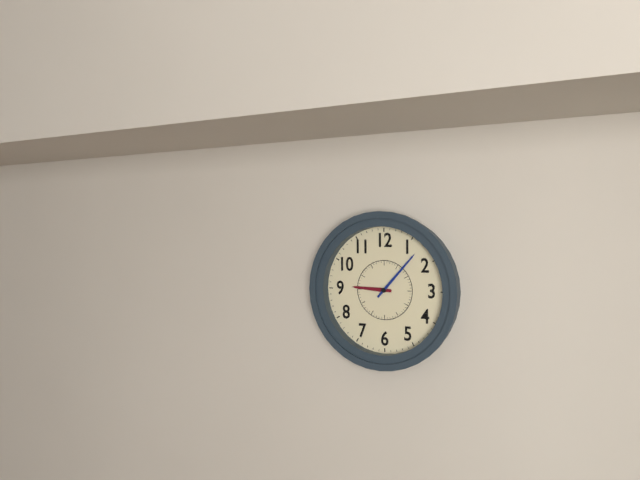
**9:07**
